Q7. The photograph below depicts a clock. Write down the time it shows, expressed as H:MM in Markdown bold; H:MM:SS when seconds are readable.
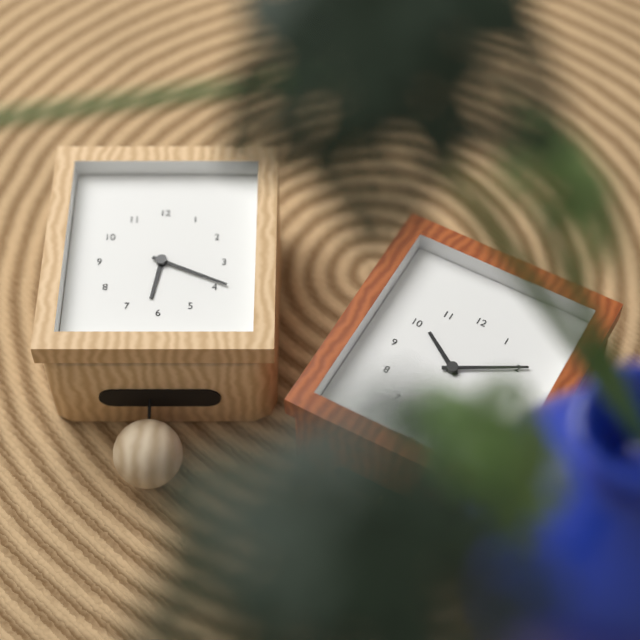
**6:19**
